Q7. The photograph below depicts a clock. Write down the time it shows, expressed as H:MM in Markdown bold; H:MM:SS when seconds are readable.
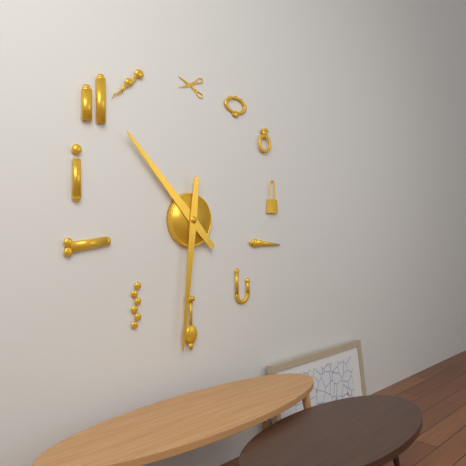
**10:31**
